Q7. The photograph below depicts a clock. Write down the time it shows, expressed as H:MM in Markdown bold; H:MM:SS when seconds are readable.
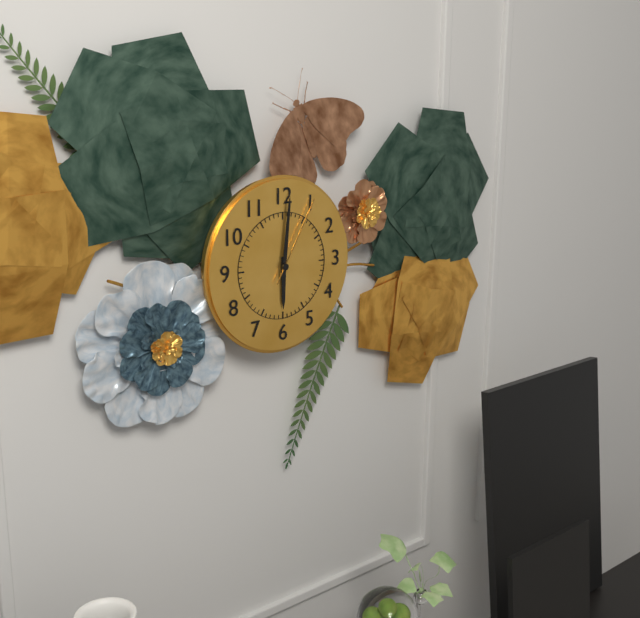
**6:01:05**
